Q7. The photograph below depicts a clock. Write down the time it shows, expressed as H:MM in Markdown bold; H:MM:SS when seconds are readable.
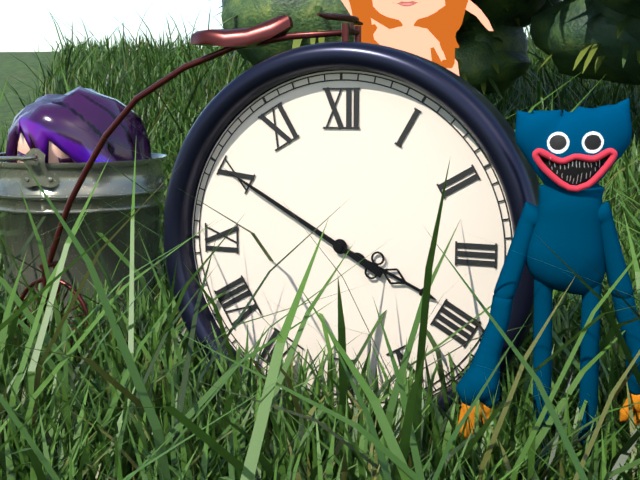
**3:50**
